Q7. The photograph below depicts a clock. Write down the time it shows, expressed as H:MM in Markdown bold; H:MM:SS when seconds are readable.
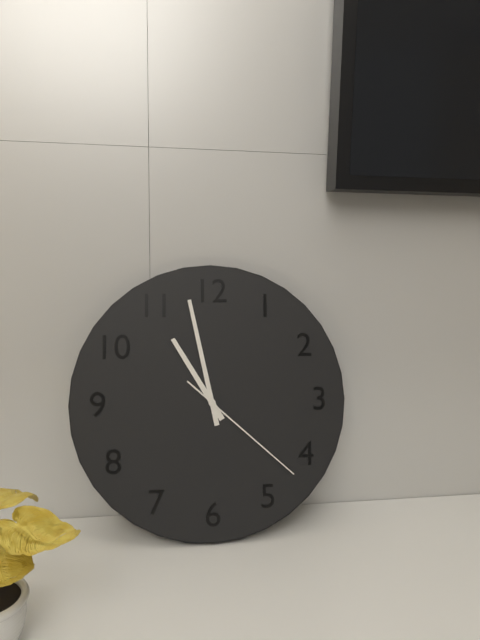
**10:58:22**
